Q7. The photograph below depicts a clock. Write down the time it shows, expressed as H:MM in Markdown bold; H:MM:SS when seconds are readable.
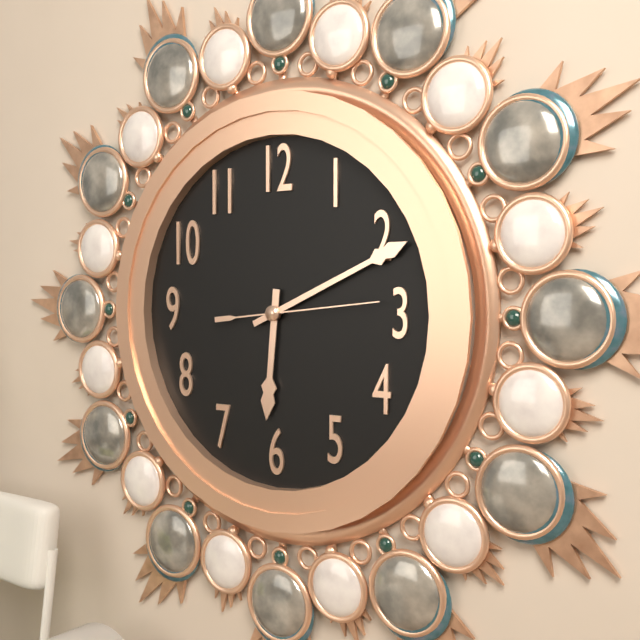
**6:11:14**
